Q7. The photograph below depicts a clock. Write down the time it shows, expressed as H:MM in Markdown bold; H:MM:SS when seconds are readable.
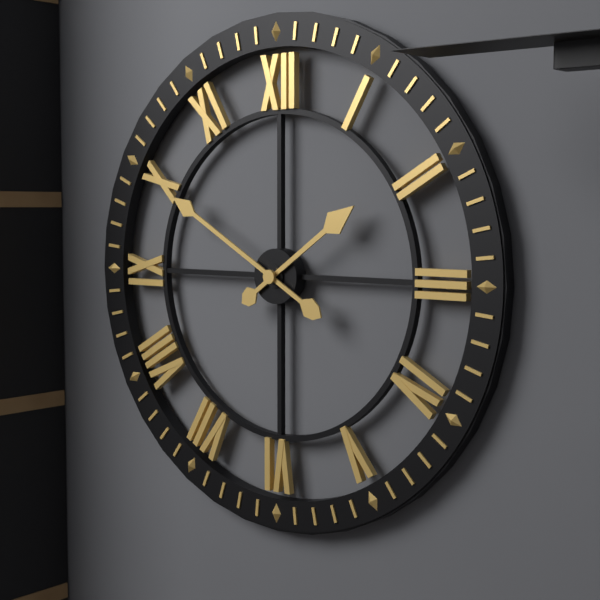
**1:50**
